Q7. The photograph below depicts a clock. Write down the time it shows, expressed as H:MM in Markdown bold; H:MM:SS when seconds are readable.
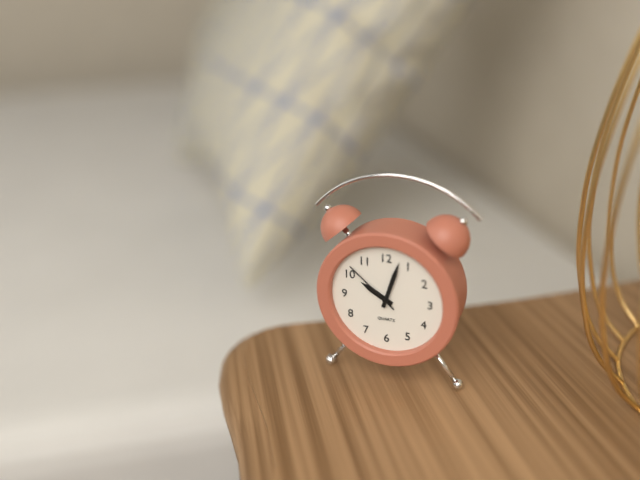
**10:03:52**
